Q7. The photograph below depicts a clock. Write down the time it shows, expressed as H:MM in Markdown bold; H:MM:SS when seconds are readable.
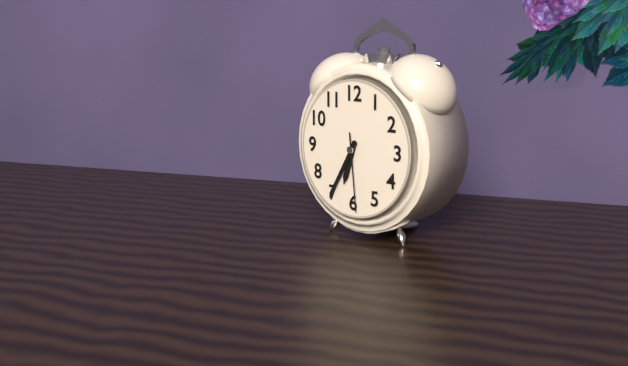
**6:35:29**
